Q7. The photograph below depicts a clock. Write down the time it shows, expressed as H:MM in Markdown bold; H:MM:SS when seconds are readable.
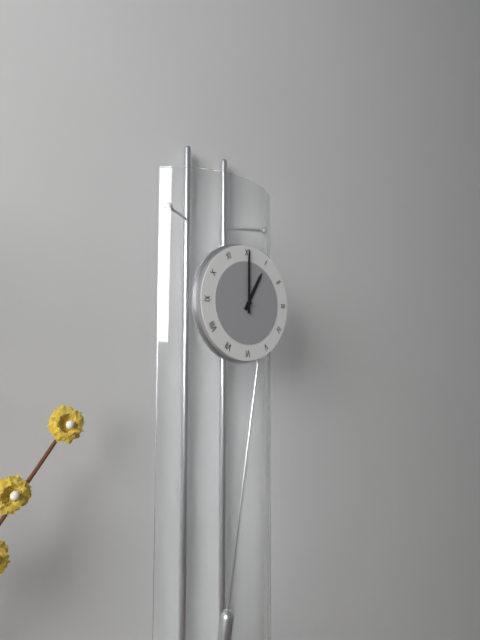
**1:00**
